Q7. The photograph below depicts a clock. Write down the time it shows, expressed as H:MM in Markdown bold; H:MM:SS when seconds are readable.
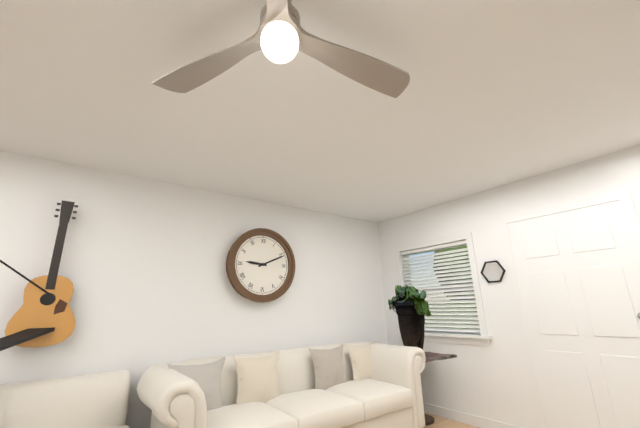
**9:11**
